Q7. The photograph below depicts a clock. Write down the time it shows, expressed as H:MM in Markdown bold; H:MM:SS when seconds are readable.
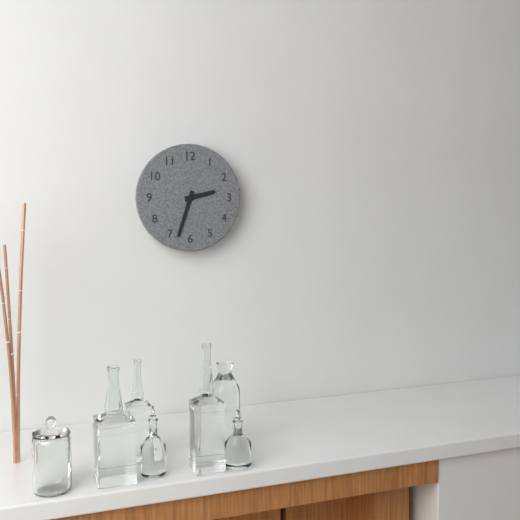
**2:33**
